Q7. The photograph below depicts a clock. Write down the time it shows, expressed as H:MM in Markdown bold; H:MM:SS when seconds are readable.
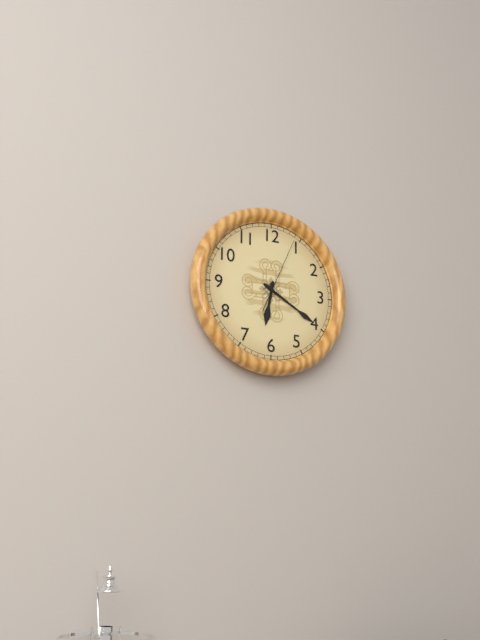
**6:20:04**
